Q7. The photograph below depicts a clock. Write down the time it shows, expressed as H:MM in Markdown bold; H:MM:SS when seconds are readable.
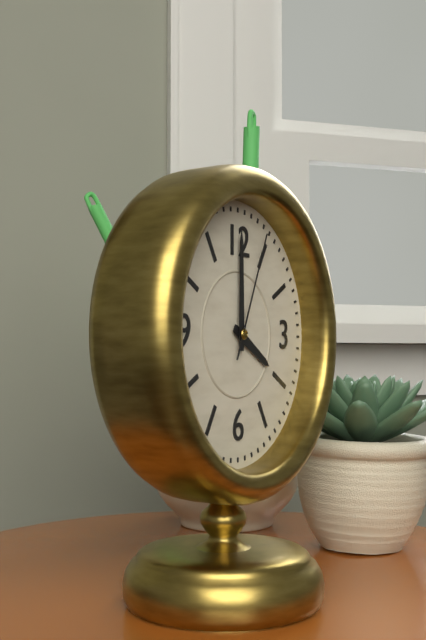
**4:00:04**
